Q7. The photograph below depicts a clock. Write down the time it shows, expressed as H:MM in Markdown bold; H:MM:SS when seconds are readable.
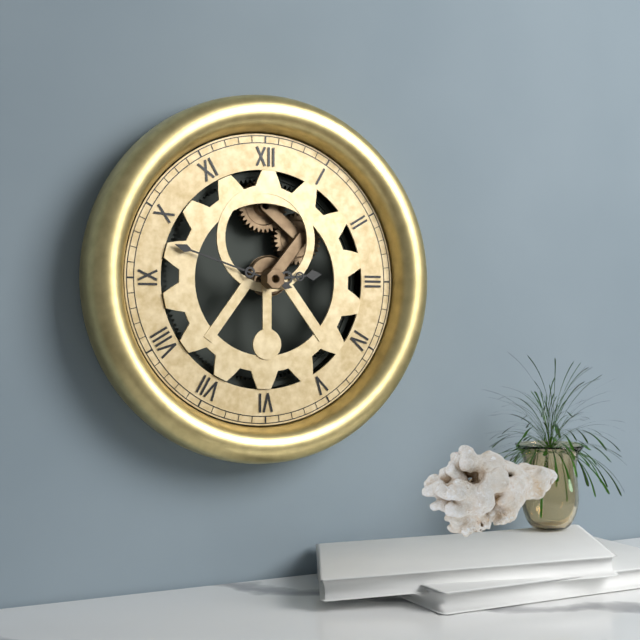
**2:48**
